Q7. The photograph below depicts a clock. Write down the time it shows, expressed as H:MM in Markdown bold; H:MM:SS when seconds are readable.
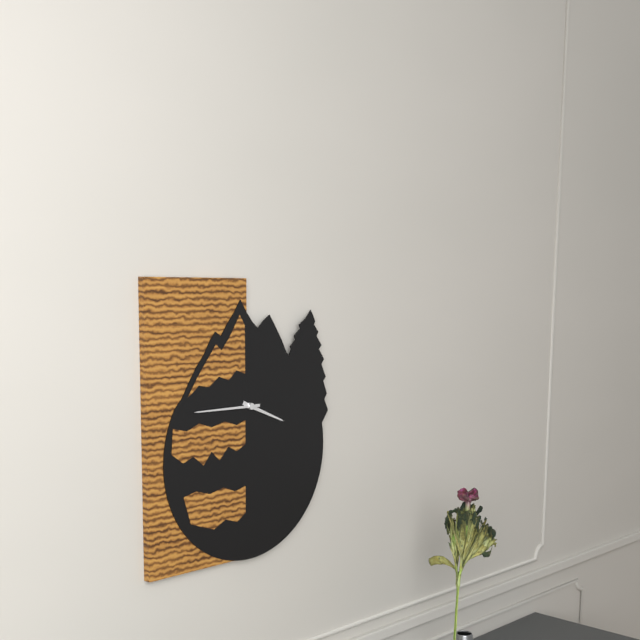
**3:45**
